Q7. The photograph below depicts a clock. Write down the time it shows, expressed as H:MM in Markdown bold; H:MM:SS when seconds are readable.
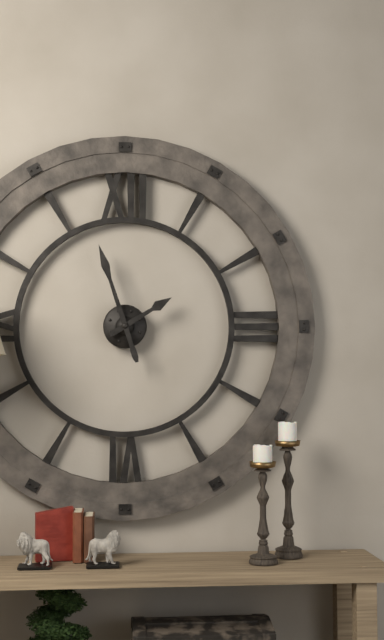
**1:57**
